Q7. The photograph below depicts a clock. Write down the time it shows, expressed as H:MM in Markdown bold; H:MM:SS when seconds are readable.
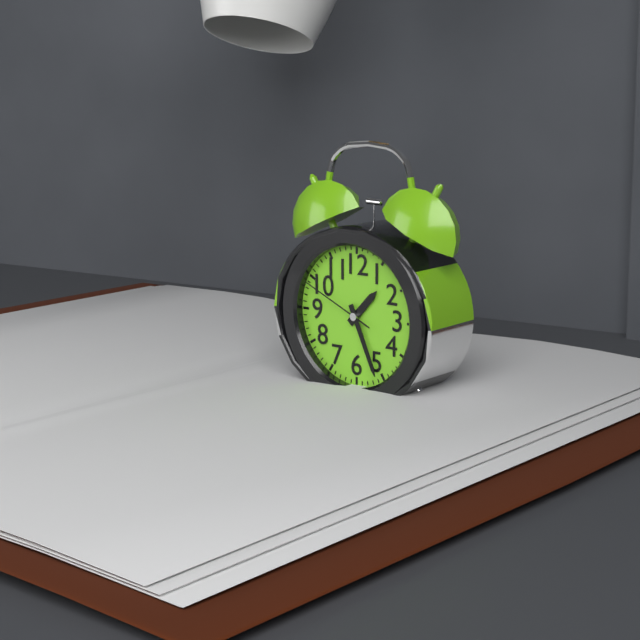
**1:26:49**
